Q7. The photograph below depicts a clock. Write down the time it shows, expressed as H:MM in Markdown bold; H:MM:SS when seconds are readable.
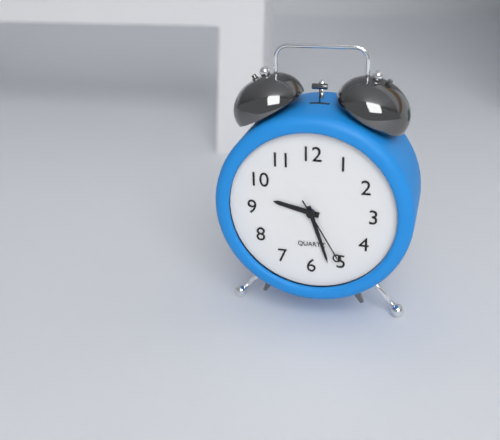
**9:27:25**
